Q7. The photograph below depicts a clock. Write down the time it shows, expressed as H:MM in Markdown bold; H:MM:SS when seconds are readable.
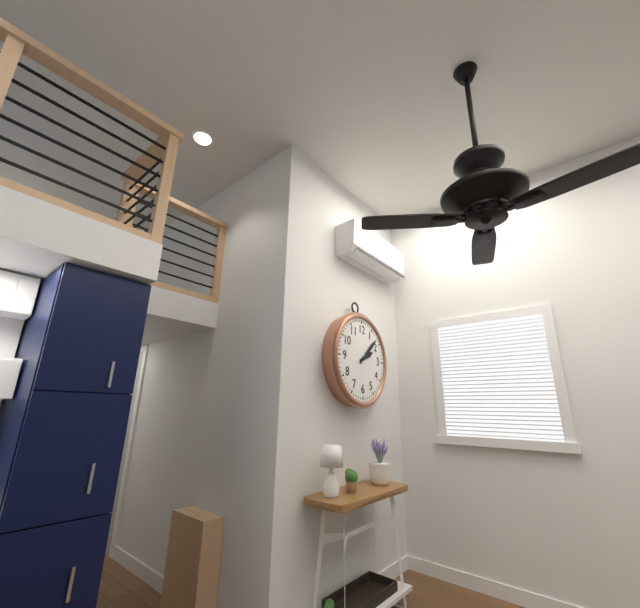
**2:08**
